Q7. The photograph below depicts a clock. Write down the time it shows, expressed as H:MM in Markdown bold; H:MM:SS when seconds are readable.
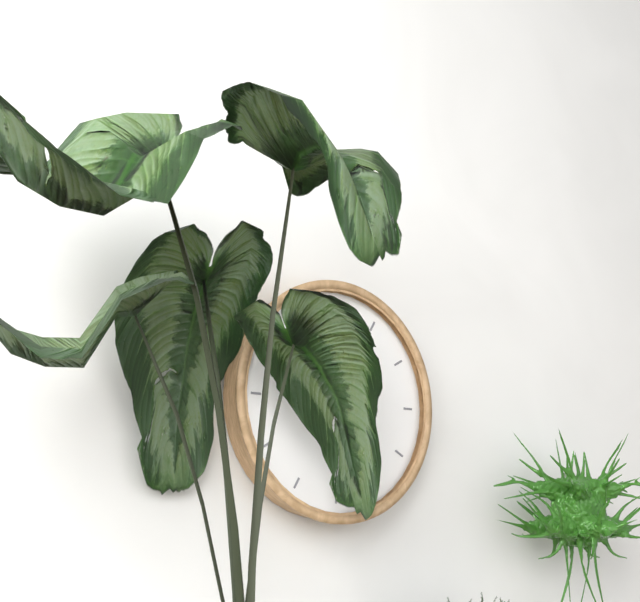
**5:59**
